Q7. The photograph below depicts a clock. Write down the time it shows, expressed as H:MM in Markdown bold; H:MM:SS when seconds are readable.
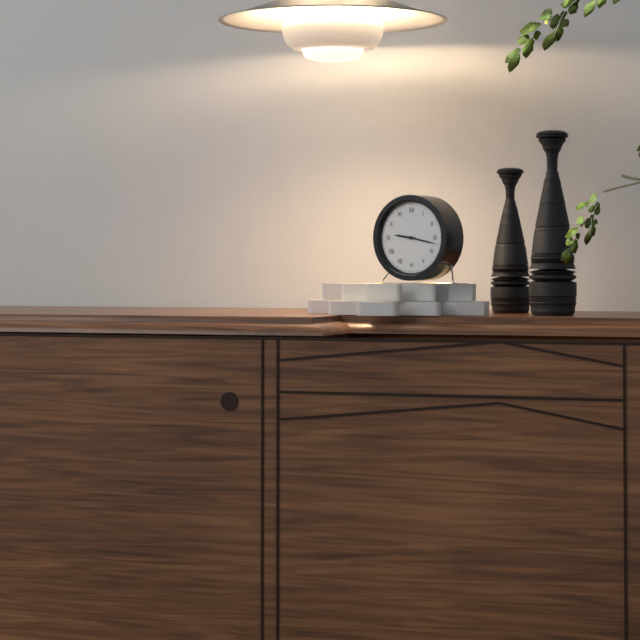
**9:17**
